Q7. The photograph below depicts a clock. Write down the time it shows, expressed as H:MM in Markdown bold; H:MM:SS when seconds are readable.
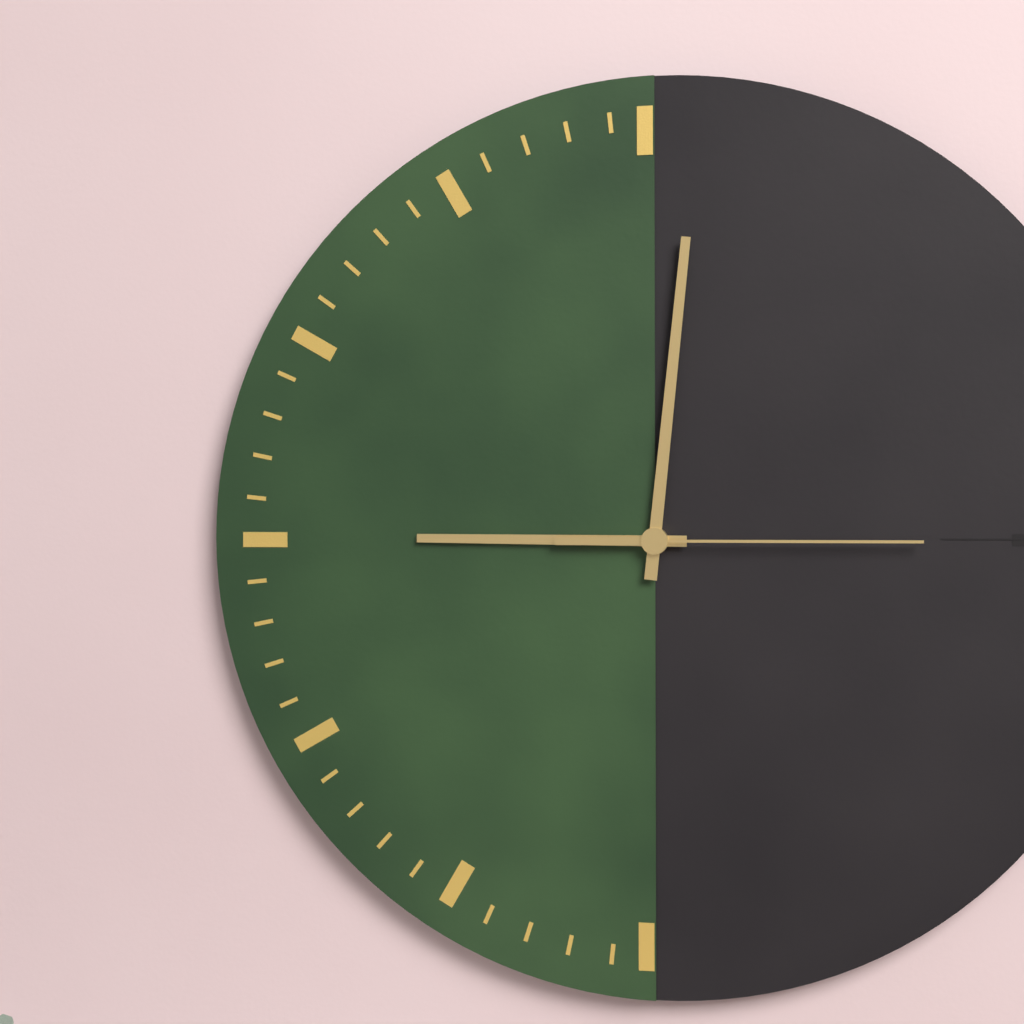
**9:01:15**
